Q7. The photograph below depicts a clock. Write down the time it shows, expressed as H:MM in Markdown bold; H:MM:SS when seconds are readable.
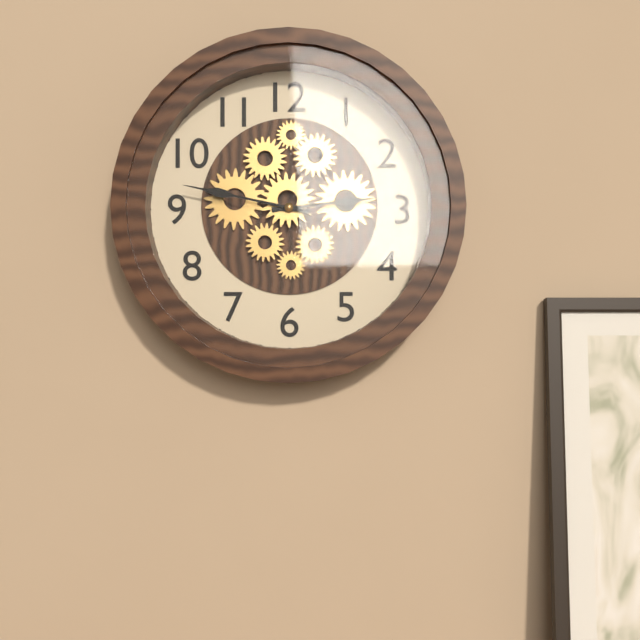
**2:47**
